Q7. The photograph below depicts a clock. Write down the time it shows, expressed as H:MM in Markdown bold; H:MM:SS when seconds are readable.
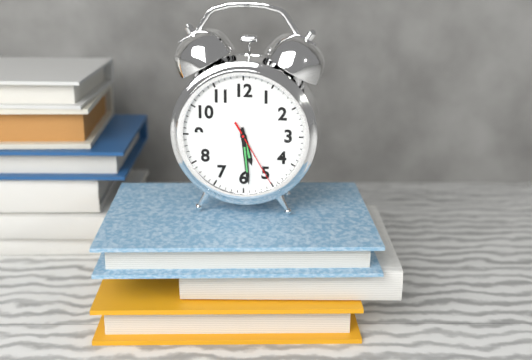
**5:29:25**
